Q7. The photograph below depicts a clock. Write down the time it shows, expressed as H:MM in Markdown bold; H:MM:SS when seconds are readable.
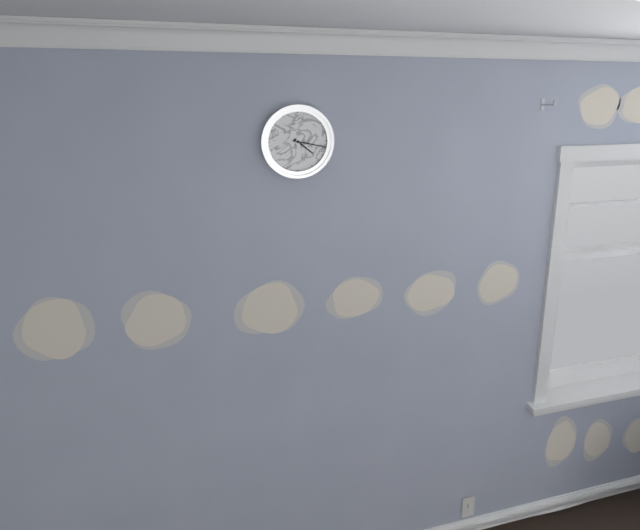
**4:17**
